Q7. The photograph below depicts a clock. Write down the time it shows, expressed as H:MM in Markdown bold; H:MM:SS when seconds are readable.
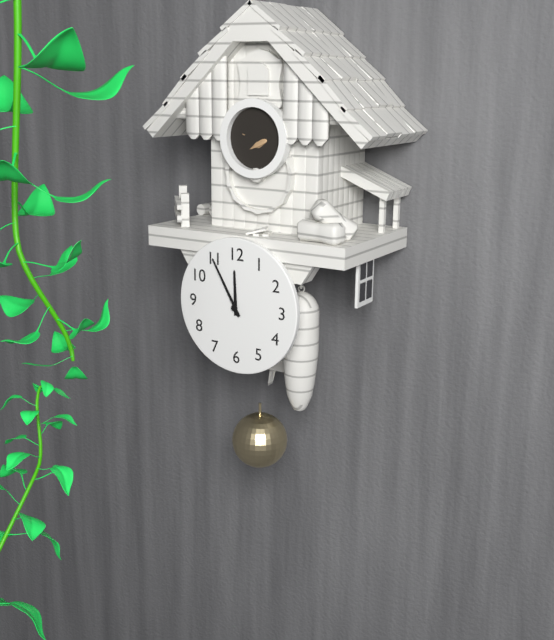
**11:55**
